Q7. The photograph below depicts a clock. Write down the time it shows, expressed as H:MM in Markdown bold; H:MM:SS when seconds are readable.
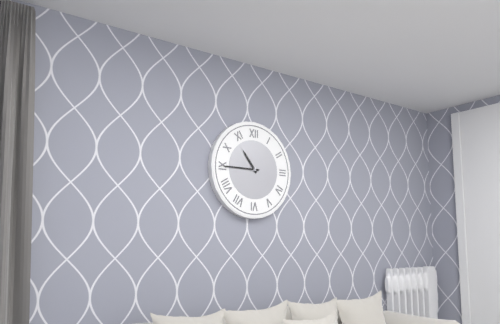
**10:45**
